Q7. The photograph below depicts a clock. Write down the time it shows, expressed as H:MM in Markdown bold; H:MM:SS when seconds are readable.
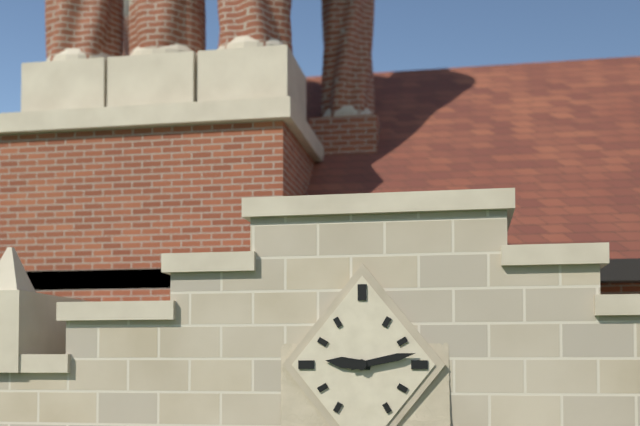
**9:13**
